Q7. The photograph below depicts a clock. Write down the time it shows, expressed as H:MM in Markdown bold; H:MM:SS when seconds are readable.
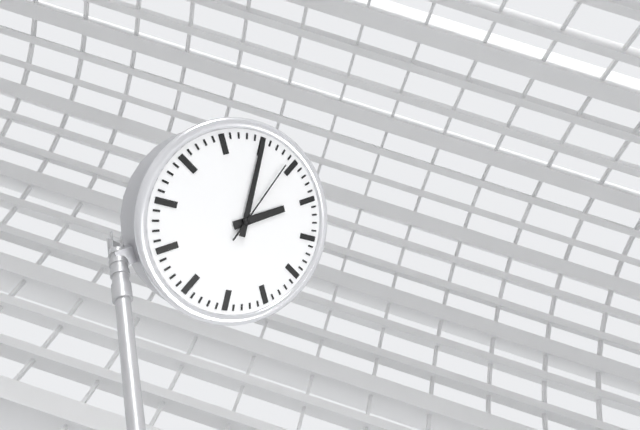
**2:00:04**
